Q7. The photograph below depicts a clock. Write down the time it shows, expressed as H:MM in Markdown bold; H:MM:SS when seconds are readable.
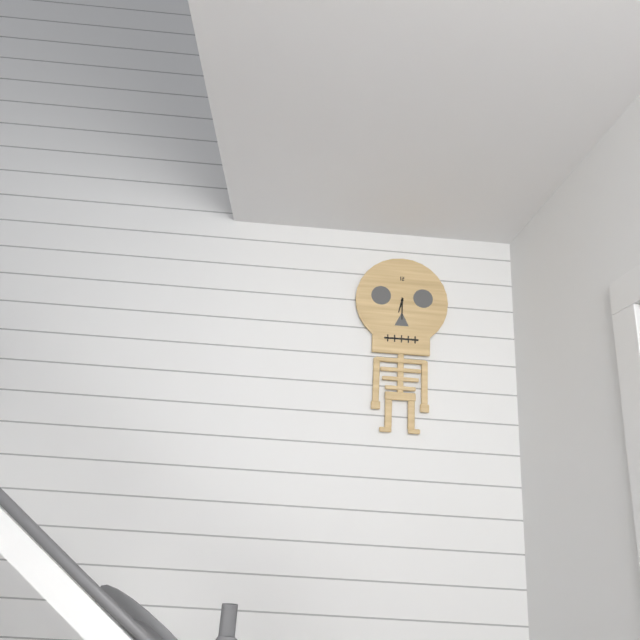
**6:30**
